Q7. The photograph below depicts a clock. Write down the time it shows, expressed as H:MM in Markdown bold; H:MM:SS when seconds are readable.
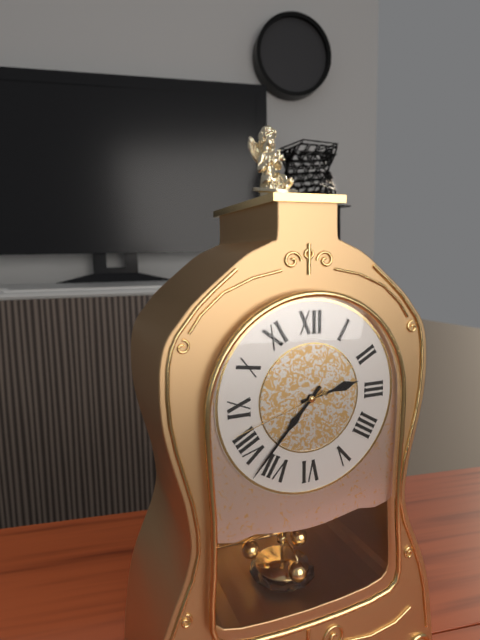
**2:37:42**
